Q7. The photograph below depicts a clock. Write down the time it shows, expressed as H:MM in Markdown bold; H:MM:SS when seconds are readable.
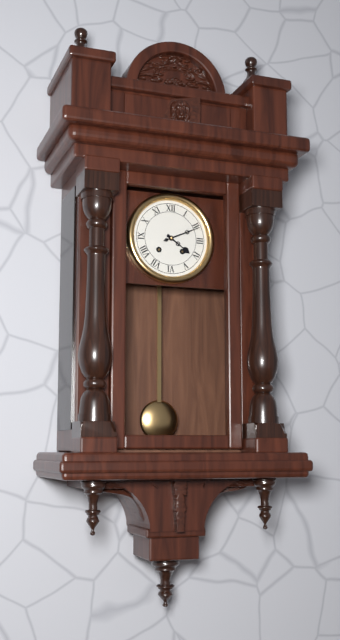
**4:11**
